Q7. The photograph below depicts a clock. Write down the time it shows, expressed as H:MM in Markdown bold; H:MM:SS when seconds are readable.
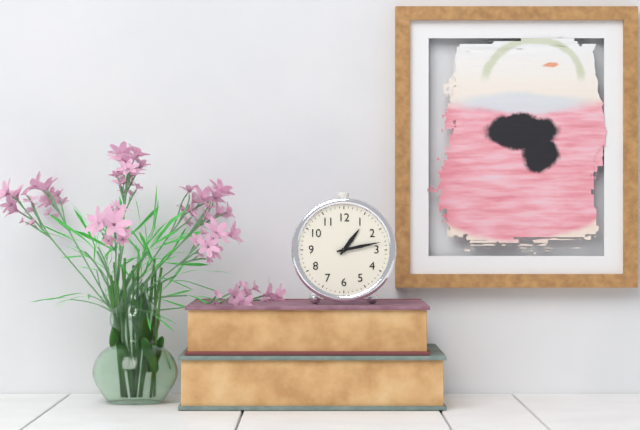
**1:13**
